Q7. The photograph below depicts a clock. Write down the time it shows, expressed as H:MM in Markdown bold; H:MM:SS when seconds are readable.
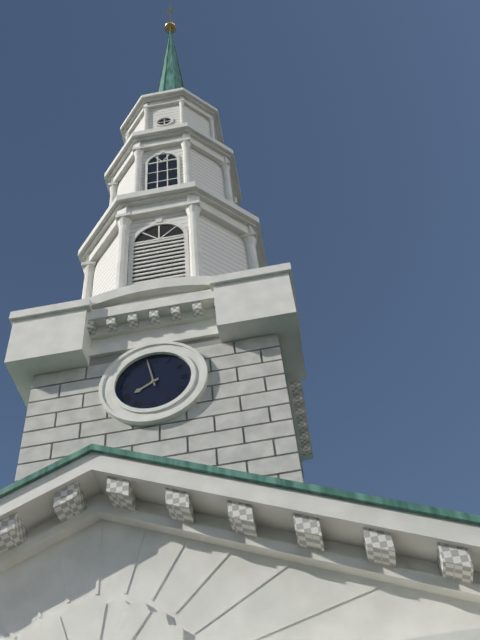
**7:58**
